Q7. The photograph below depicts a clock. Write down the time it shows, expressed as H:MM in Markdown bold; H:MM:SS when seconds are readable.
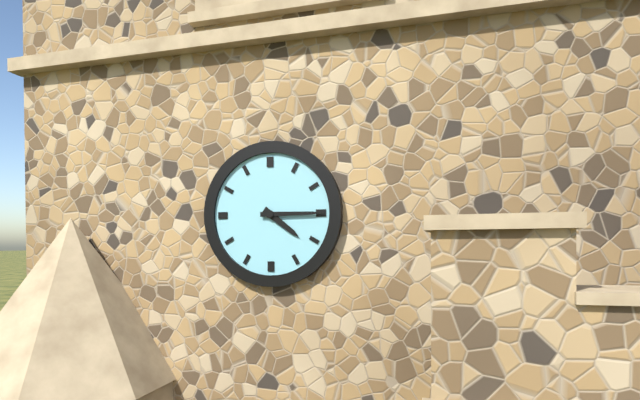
**4:15**
